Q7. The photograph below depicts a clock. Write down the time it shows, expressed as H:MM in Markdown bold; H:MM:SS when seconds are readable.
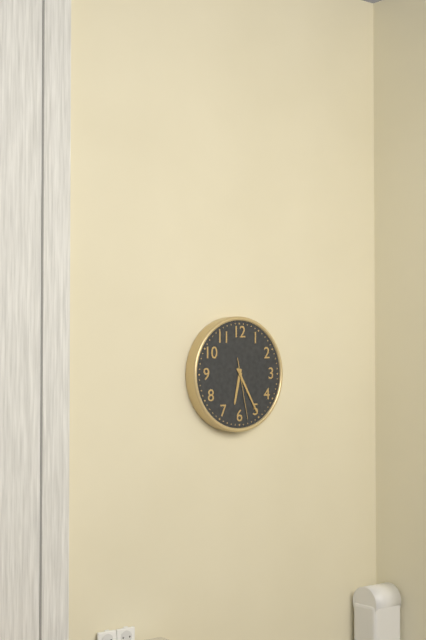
**6:25:28**
